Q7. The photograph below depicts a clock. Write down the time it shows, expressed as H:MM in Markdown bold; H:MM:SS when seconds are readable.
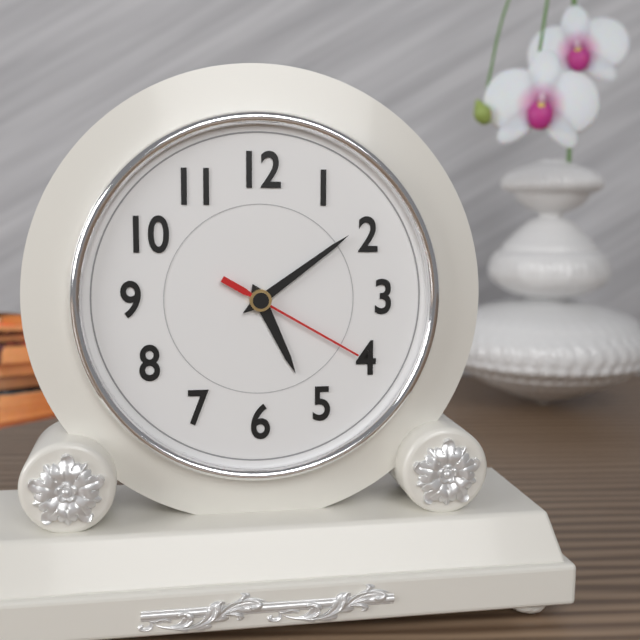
**5:09:20**
